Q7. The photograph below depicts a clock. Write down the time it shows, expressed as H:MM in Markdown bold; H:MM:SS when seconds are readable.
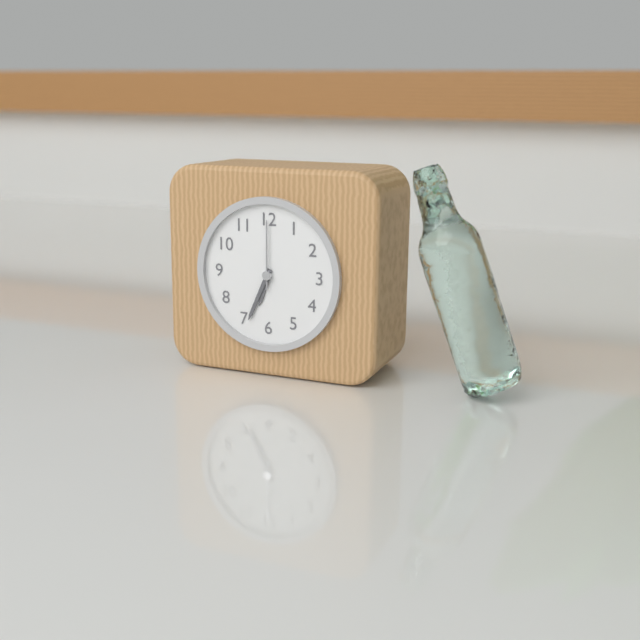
**6:34:00**
